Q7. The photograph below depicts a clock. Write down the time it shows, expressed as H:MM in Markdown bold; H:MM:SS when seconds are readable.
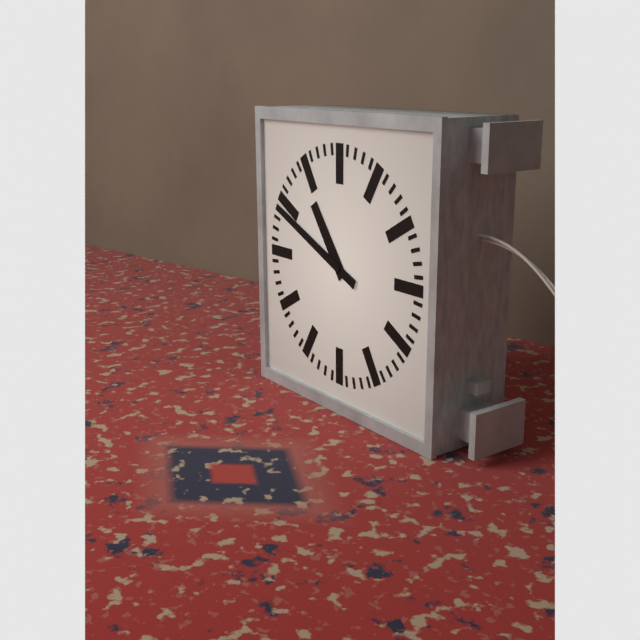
**10:49**
